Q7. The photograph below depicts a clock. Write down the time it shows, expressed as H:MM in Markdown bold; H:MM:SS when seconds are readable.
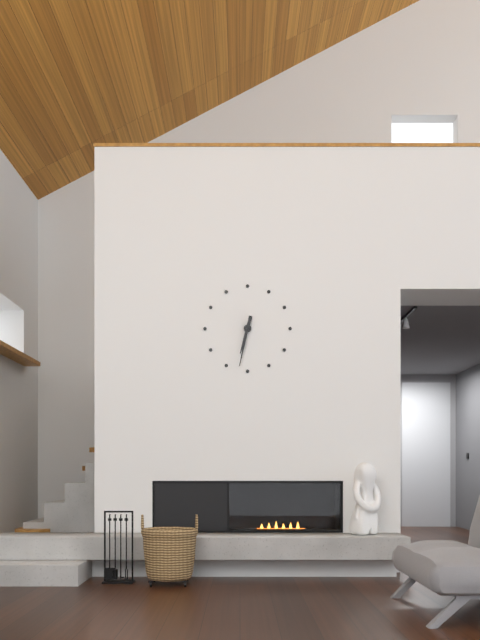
**6:32**
